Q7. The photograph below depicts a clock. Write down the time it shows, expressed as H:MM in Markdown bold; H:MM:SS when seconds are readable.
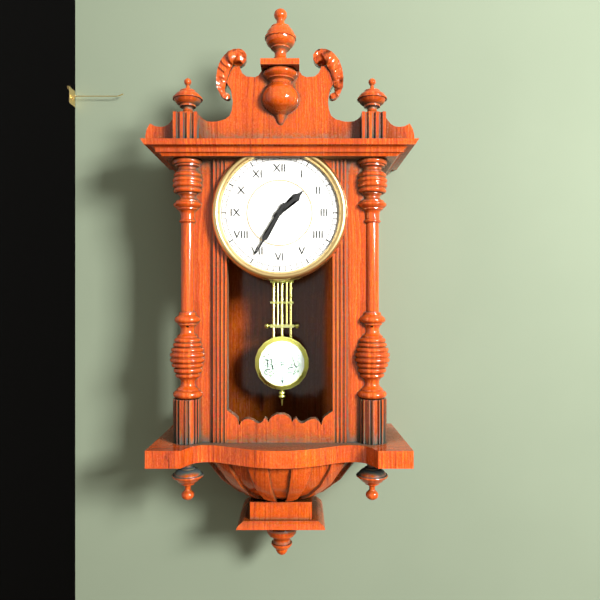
**1:35**
